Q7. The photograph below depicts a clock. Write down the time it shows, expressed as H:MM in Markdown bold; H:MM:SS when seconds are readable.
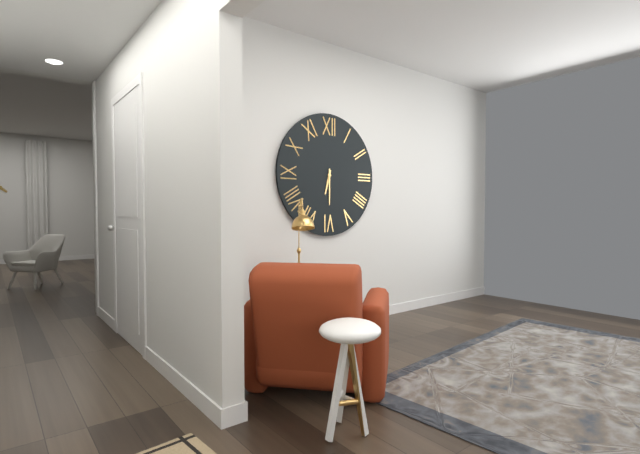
**6:30**
